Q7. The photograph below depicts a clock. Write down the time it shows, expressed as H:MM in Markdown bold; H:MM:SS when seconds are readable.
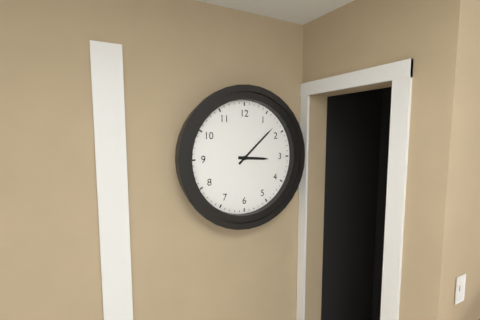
**3:08**
